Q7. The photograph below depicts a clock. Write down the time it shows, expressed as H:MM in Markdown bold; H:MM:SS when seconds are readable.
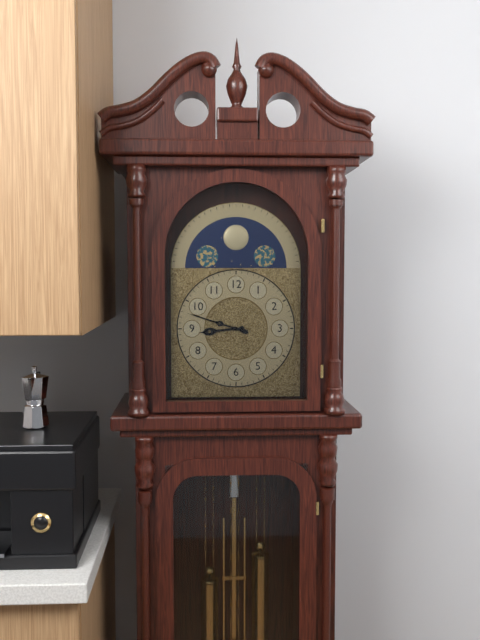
**8:48**
